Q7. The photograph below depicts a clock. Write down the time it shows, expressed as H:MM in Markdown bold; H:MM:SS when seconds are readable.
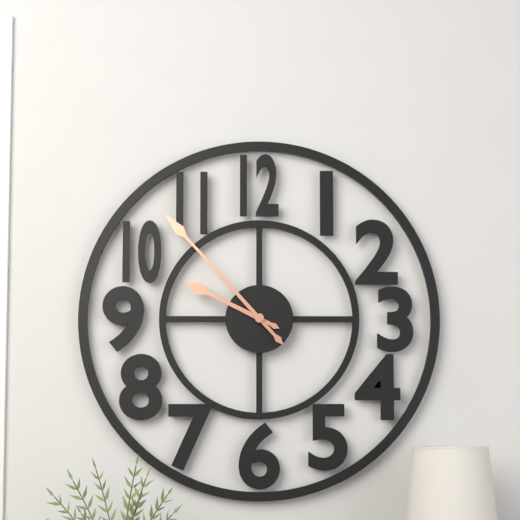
**9:53**
